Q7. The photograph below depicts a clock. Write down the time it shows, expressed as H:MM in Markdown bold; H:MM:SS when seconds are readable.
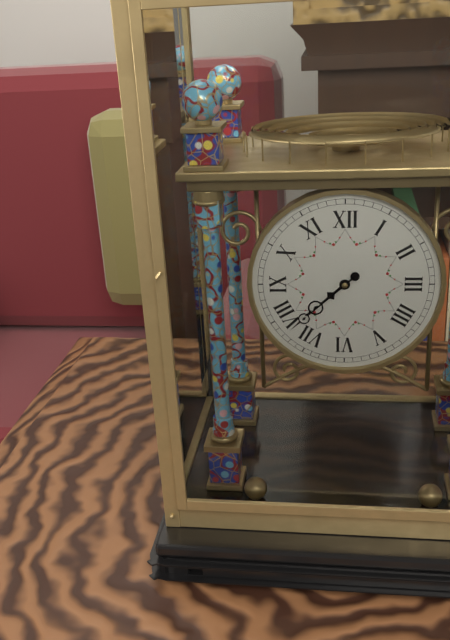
**7:38**
